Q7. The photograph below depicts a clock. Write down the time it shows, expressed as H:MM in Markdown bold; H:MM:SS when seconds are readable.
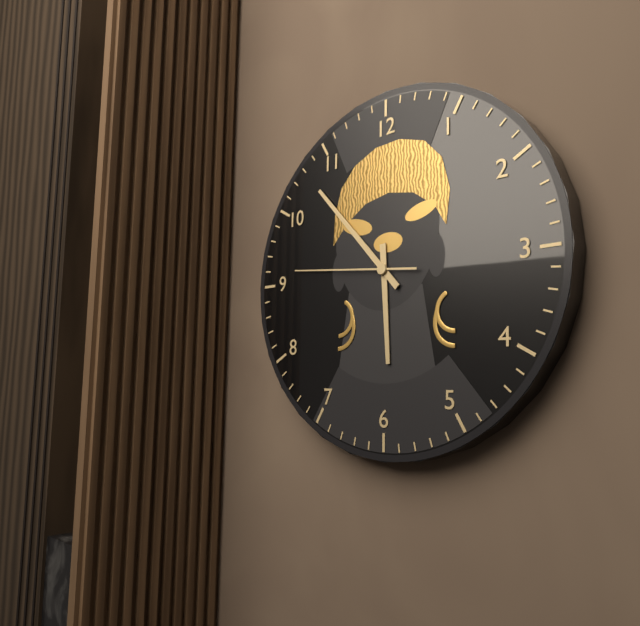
**5:53:46**
